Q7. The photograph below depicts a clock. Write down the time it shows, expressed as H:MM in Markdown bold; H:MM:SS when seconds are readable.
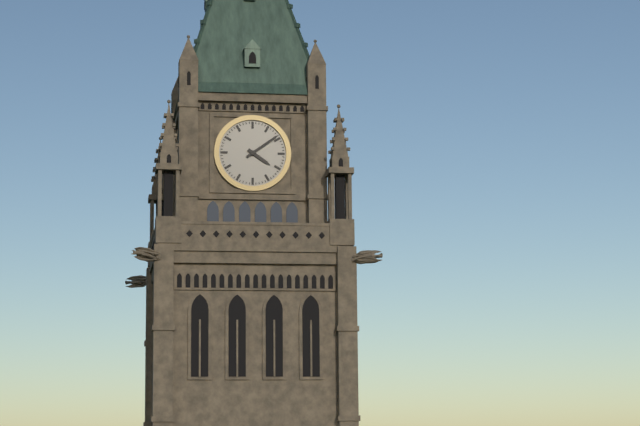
**4:09**
